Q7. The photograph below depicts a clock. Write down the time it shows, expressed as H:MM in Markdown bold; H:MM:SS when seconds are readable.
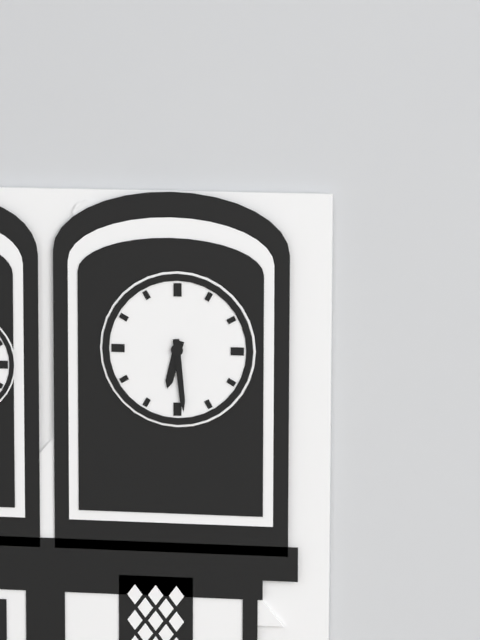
**6:29**
